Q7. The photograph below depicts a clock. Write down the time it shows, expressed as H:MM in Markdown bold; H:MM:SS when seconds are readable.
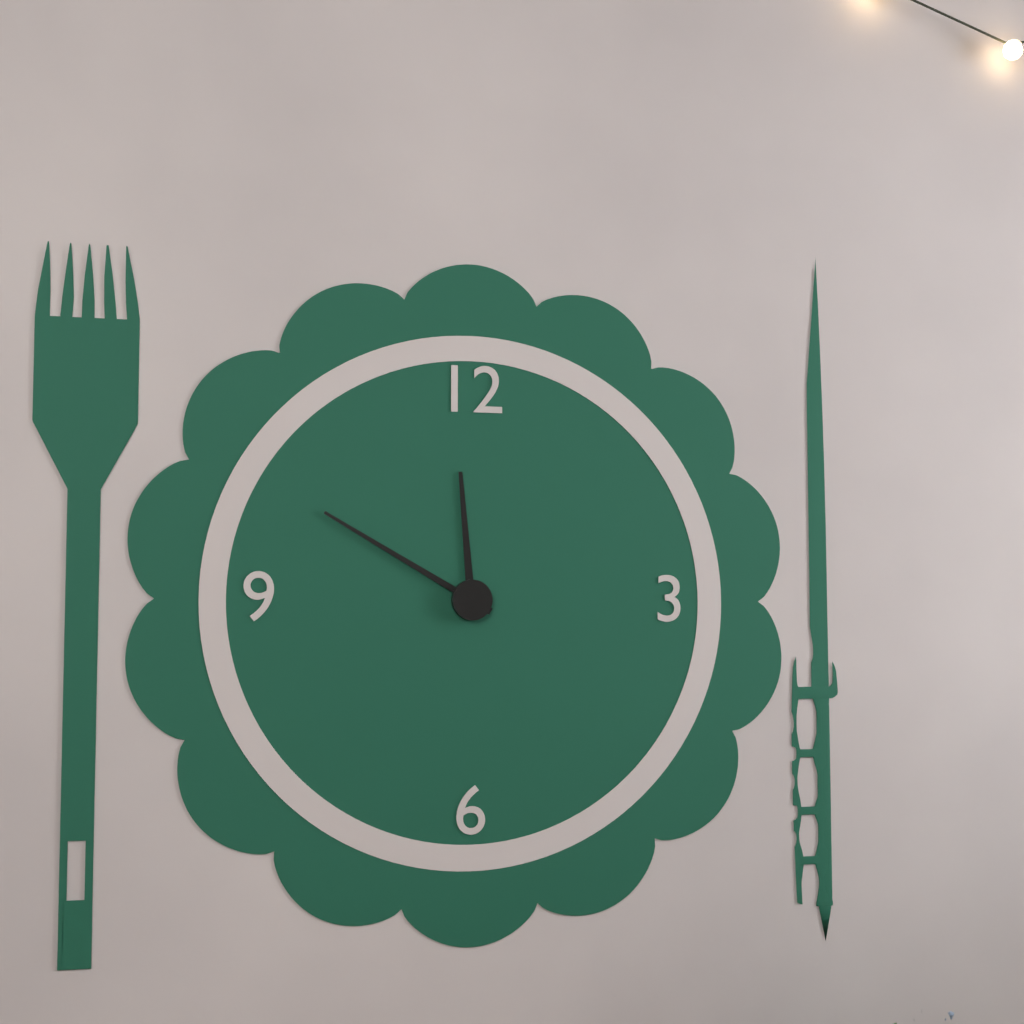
**11:50**
